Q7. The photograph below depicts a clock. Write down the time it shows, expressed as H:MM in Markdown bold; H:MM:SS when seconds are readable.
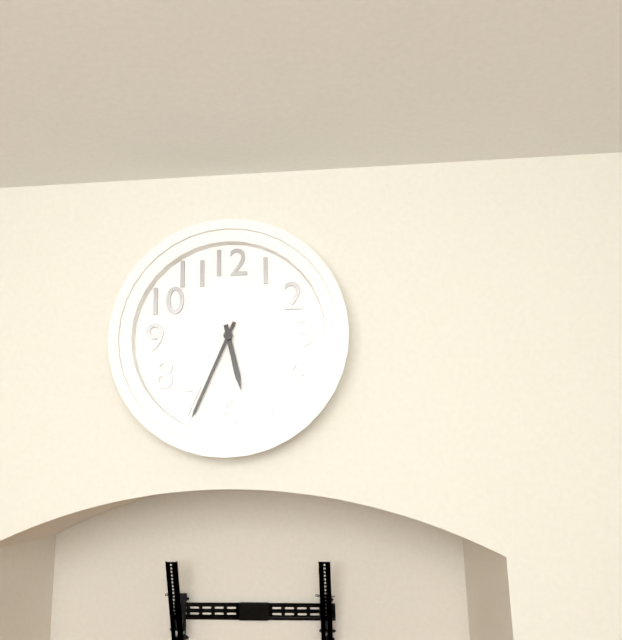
**5:34**
